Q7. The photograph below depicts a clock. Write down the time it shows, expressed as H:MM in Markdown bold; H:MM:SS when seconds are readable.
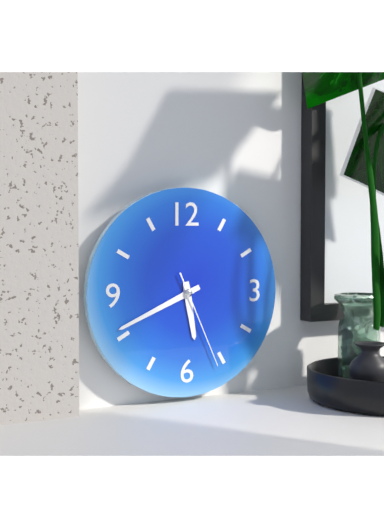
**5:41:26**
